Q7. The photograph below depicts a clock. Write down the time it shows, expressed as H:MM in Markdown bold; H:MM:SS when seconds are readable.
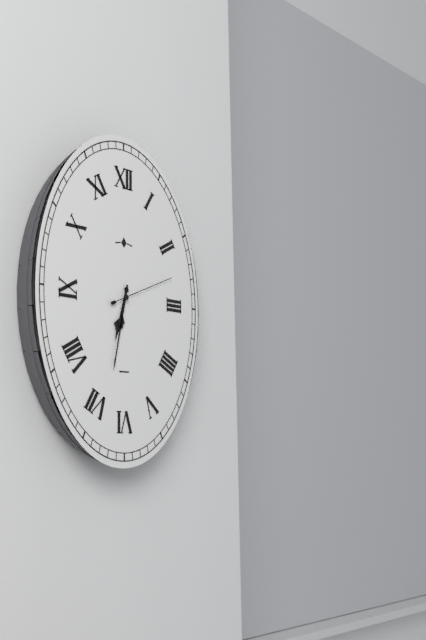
**6:32:11**
